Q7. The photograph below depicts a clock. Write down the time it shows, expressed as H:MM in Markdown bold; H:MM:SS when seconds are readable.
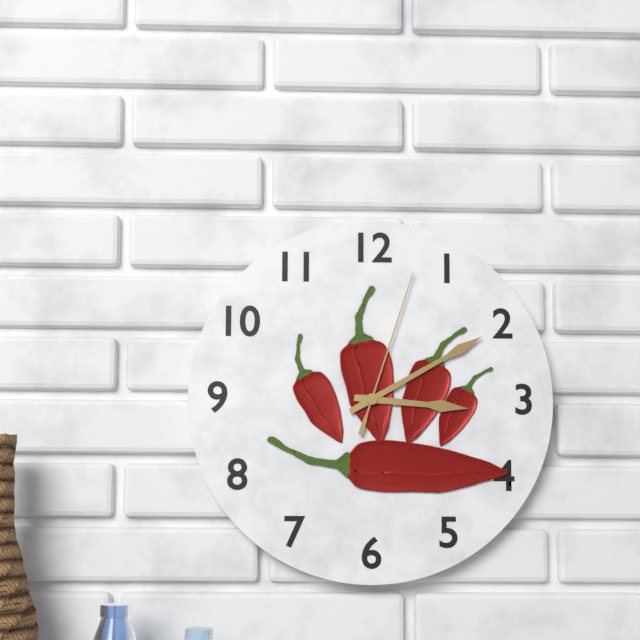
**3:10:03**
